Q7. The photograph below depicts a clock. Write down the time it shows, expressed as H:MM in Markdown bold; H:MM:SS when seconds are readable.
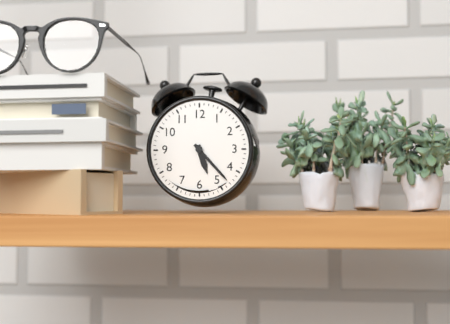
**5:23**
